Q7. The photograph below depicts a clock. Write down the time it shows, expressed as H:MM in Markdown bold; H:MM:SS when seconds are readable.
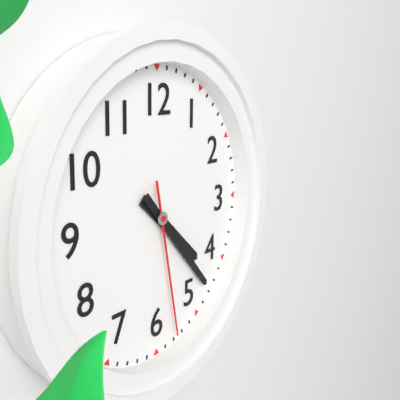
**4:23:28**
